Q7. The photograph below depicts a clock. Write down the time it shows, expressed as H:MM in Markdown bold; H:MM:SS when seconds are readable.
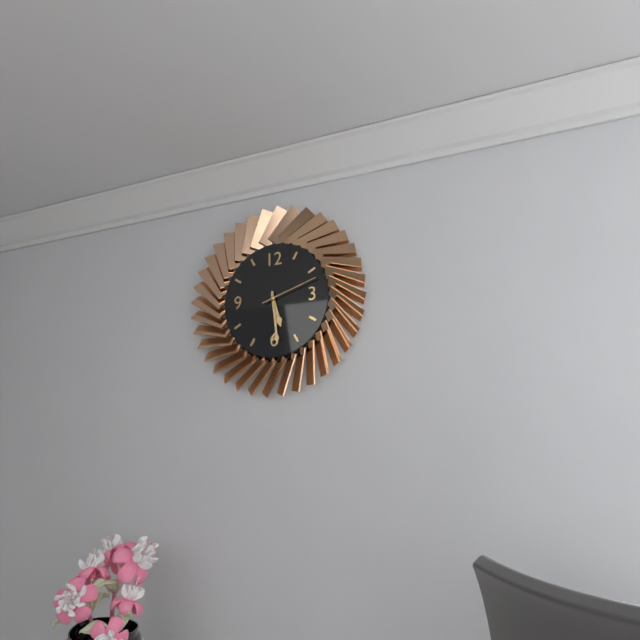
**5:29:12**
